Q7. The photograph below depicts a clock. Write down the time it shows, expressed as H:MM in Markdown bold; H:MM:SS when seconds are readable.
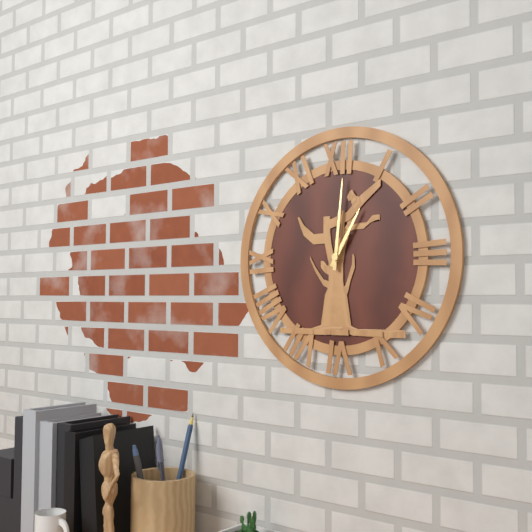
**1:01**
